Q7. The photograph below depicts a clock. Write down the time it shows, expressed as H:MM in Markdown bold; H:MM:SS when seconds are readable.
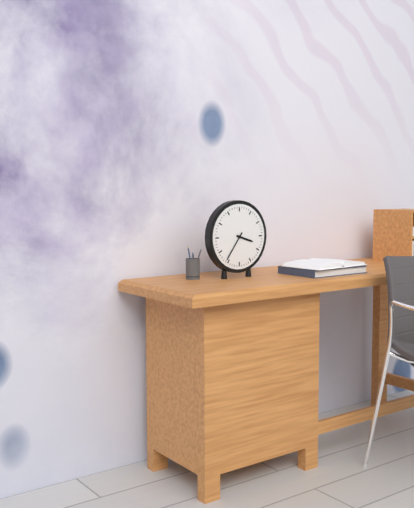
**3:36**
